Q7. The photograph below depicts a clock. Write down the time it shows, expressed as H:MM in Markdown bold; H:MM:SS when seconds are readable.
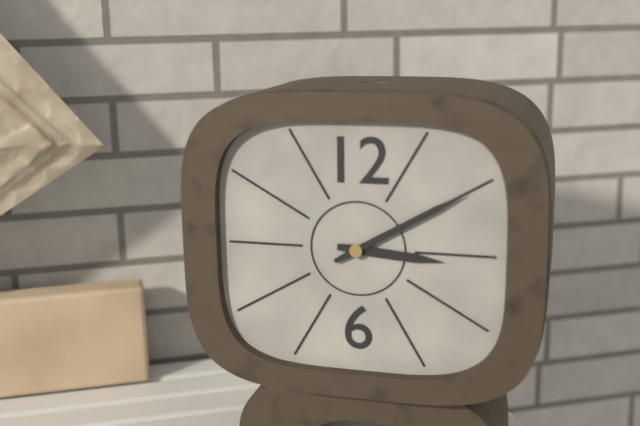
**3:10**
